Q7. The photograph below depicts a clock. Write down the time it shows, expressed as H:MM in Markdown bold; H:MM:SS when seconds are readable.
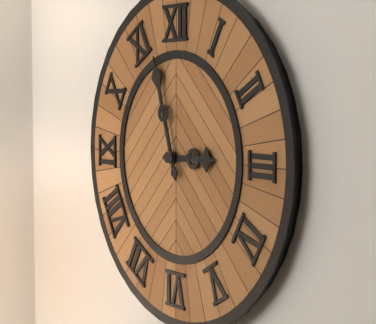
**2:57**
